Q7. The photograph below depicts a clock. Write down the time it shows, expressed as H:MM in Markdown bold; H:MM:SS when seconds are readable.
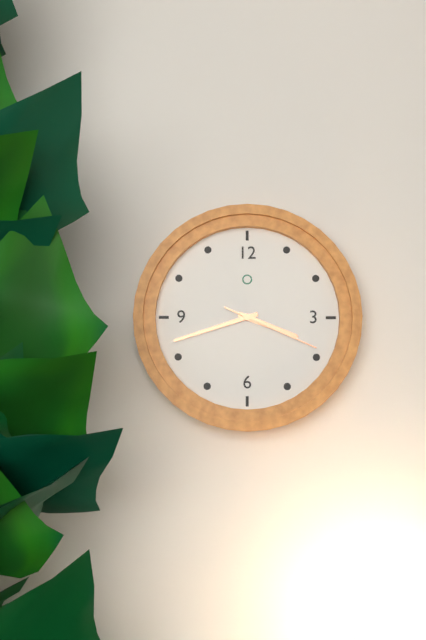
**3:42:19**
